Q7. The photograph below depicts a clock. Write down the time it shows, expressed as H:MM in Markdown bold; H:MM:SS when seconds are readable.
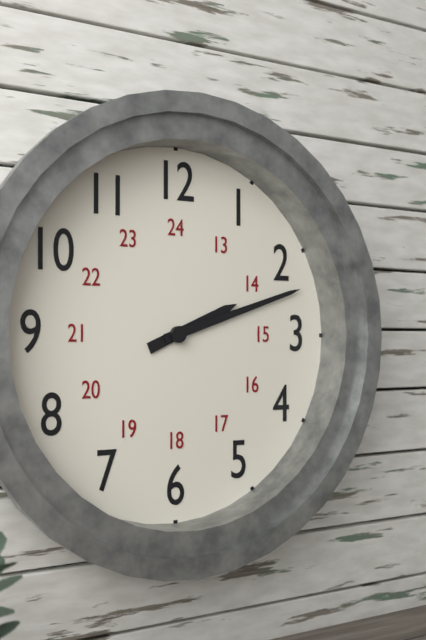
**2:12**
